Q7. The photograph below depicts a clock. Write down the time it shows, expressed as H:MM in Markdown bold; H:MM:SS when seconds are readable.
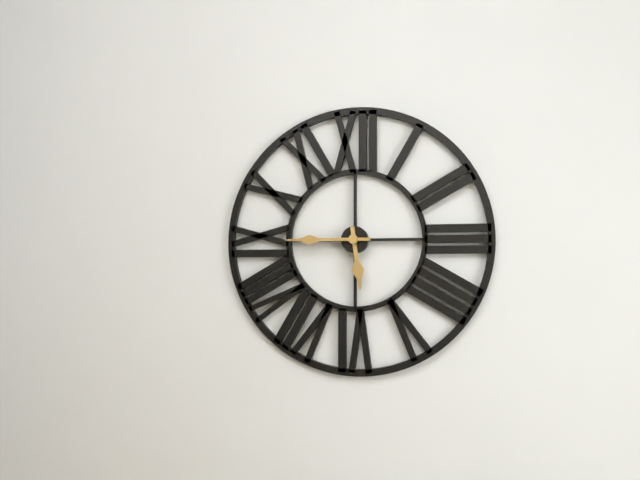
**5:45**
